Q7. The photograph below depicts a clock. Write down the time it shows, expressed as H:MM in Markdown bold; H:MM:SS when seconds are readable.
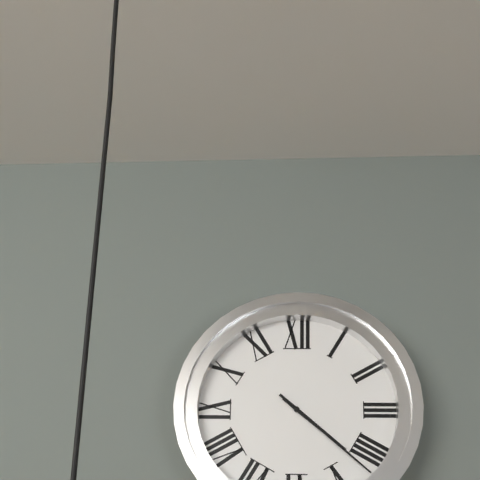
**4:22**
